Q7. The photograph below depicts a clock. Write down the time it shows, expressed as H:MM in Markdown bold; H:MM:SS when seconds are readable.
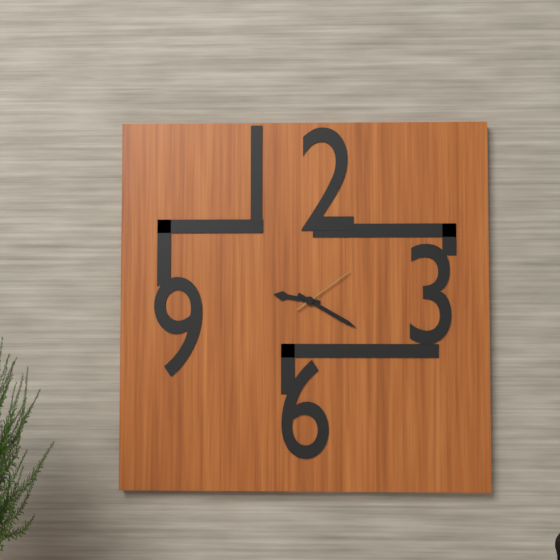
**9:20:09**
